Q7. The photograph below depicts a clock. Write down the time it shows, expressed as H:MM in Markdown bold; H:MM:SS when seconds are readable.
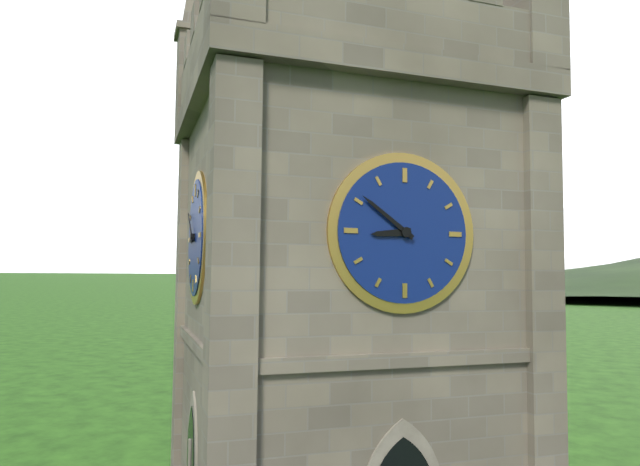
**8:51**
